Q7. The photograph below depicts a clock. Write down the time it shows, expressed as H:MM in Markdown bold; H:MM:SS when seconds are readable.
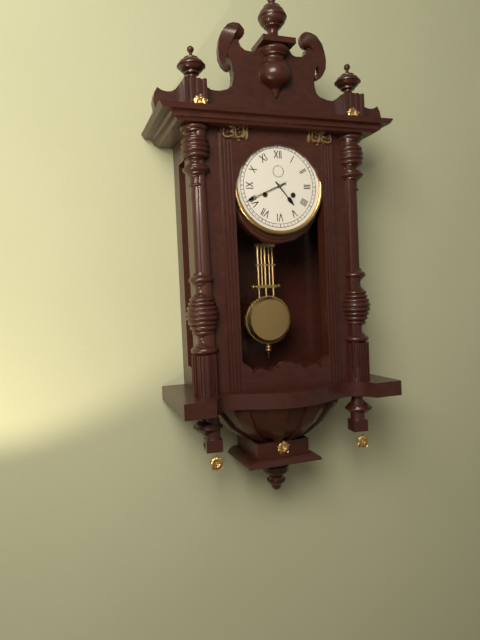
**4:41**
